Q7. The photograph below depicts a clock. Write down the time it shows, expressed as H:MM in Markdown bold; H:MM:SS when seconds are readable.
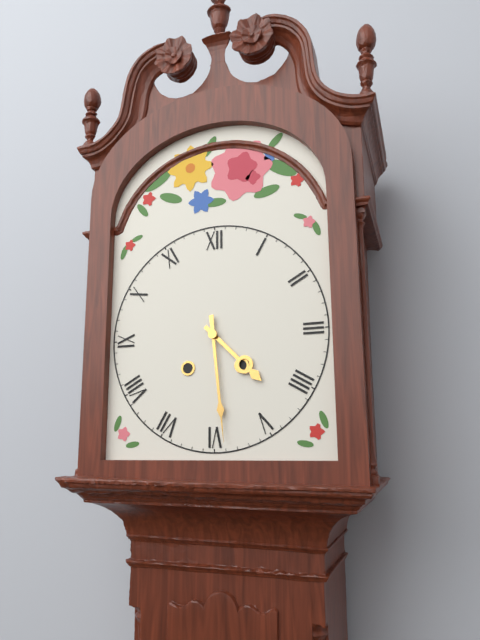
**4:29**
